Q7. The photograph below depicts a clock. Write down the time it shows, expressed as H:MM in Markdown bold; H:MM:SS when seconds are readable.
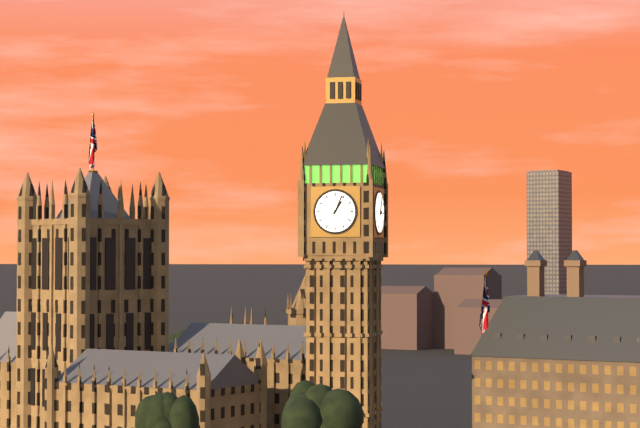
**1:04**
